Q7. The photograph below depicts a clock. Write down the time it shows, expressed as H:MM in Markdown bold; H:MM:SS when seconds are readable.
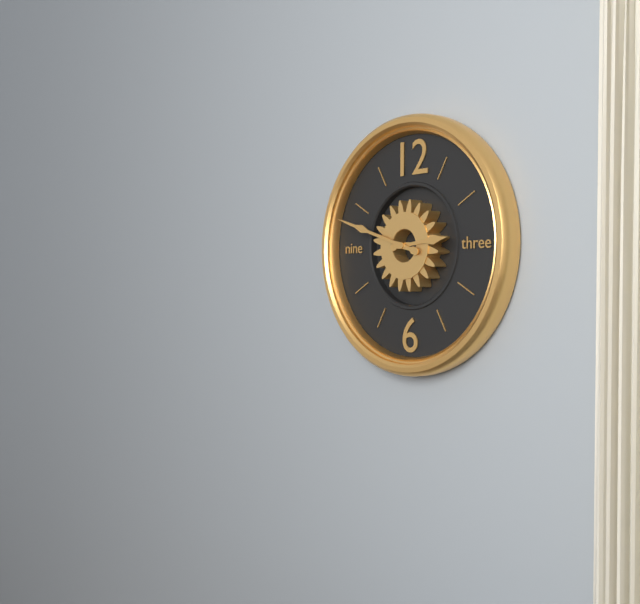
**2:48**
